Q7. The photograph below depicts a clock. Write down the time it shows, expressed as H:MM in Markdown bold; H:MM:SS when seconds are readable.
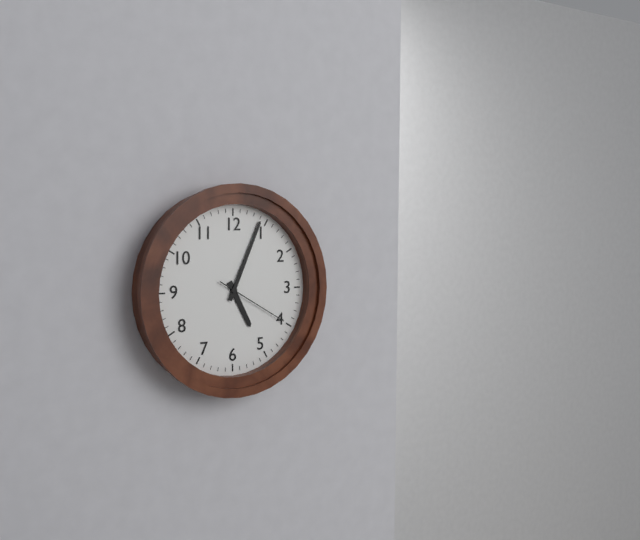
**5:04:20**
